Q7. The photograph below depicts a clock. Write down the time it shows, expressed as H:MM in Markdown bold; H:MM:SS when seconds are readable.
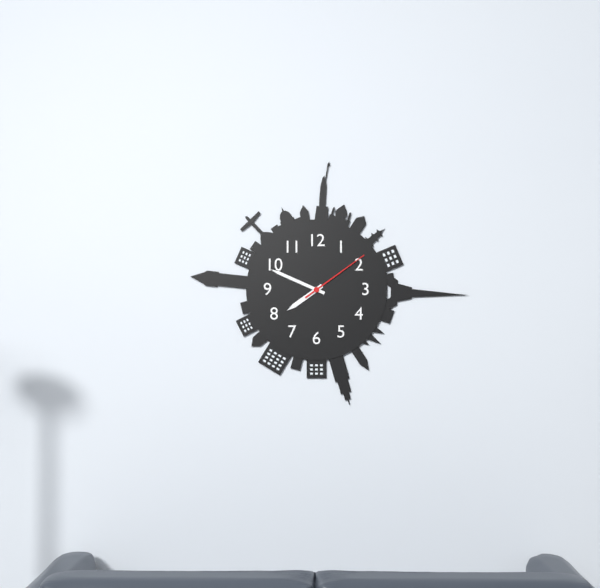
**7:49:09**
